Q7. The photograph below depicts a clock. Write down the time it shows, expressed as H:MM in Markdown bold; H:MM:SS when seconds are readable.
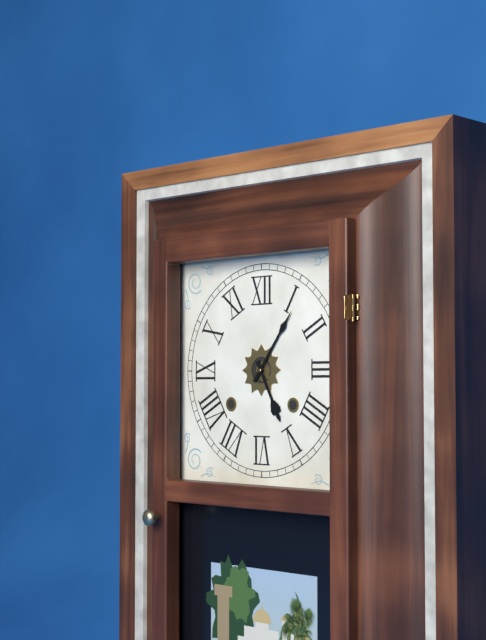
**5:06**
